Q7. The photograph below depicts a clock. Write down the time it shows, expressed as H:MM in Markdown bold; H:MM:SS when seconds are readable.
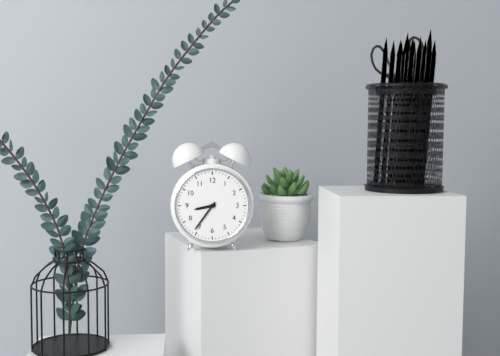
**8:36**
